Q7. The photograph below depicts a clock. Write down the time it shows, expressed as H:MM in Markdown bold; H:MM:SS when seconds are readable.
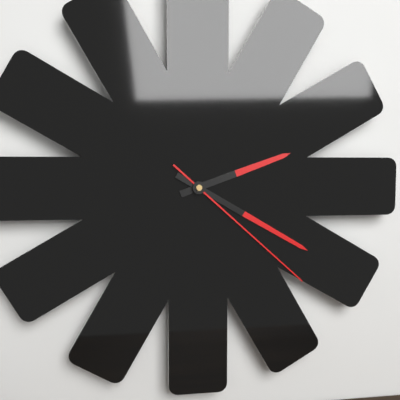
**2:20:22**
